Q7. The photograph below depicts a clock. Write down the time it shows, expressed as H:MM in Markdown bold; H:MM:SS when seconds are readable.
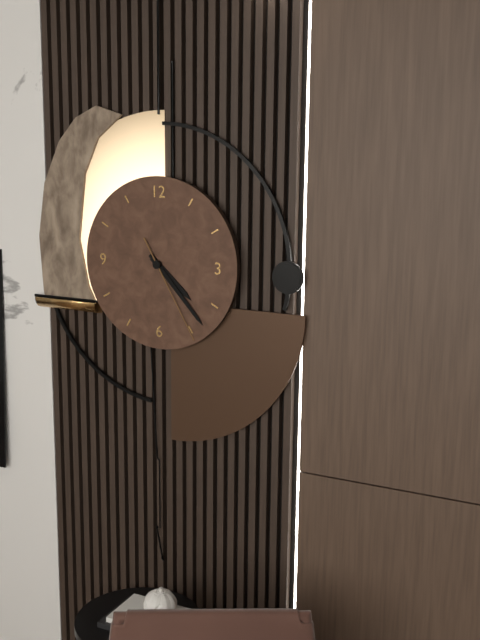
**4:23:25**
